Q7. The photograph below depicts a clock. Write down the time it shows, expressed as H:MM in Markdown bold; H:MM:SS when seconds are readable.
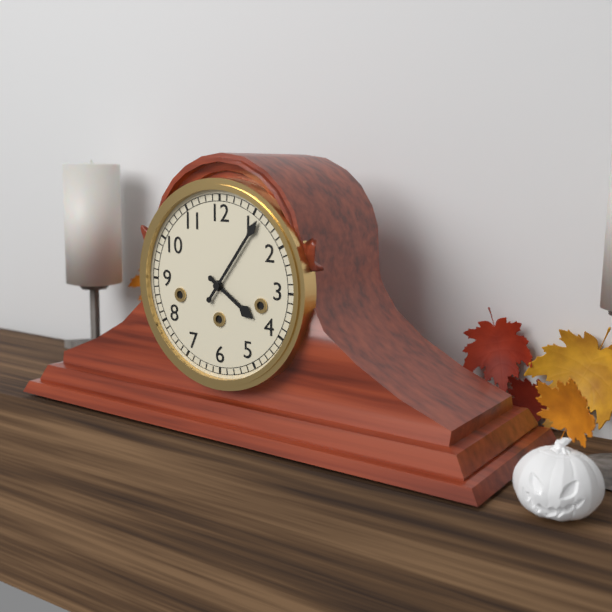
**4:06**
